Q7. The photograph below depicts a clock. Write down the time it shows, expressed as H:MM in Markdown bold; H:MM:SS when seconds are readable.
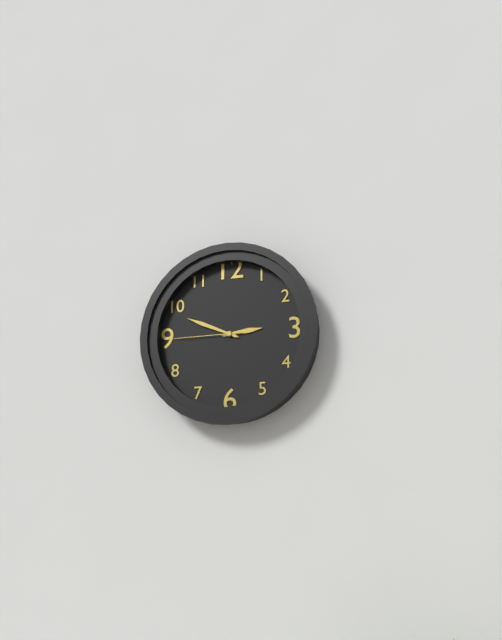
**2:49:45**
